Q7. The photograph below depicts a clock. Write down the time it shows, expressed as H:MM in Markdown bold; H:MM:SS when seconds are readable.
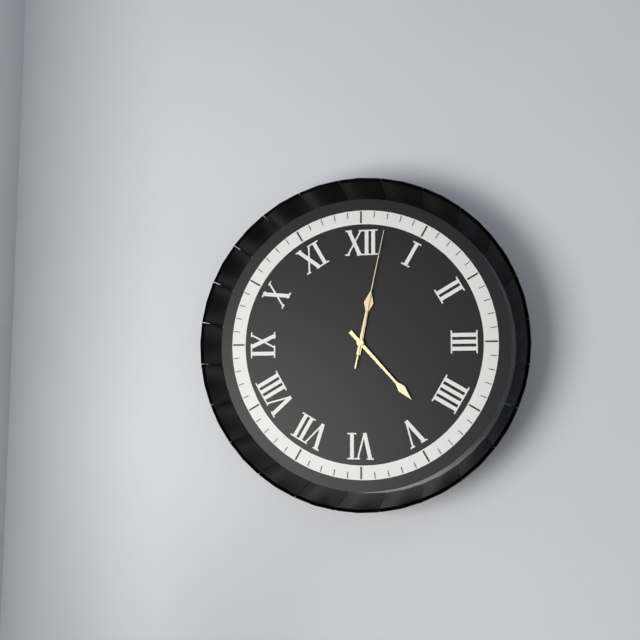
**12:23:02**
